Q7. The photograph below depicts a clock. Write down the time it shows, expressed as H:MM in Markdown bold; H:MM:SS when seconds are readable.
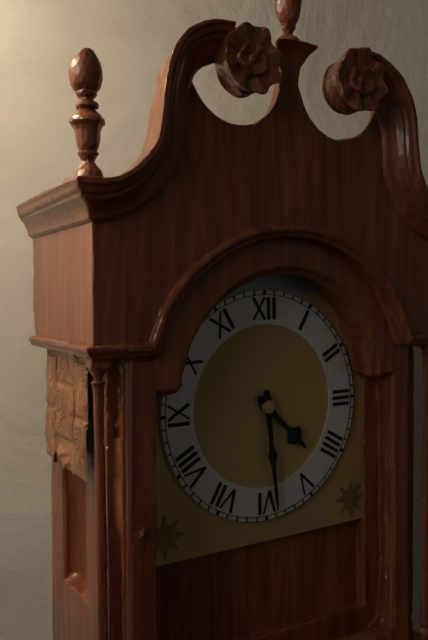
**4:29**
